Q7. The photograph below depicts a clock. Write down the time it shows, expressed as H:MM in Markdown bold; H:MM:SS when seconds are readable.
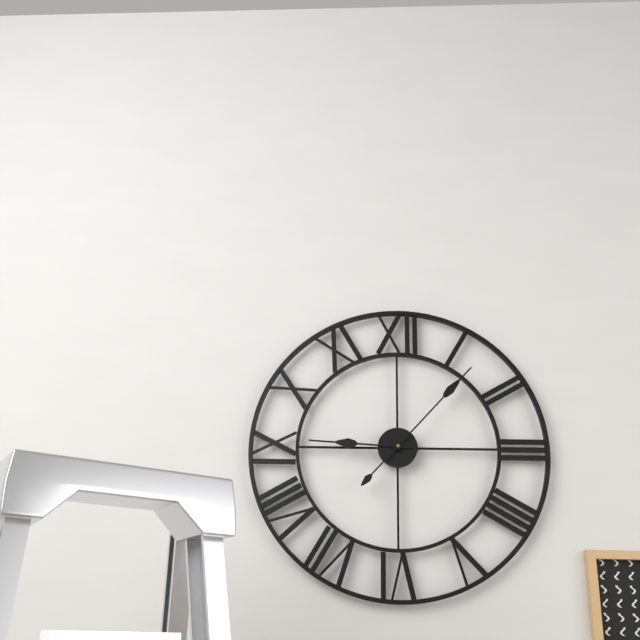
**9:07**
